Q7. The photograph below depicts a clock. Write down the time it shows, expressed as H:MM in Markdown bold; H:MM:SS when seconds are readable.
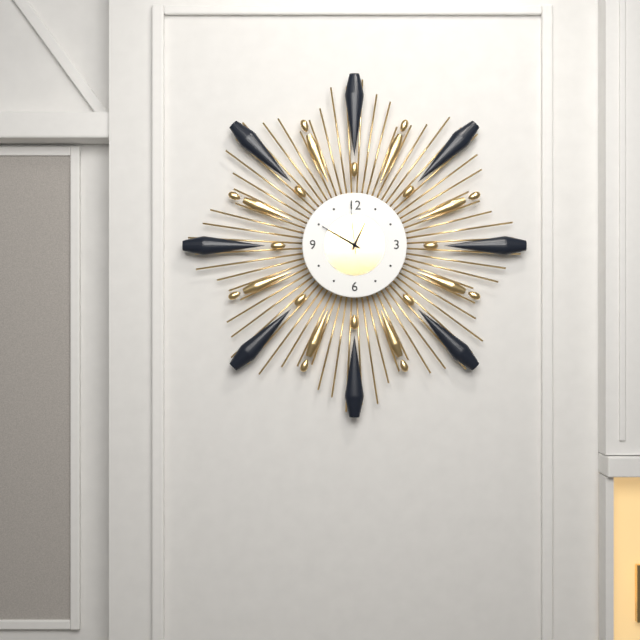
**12:50:59**
